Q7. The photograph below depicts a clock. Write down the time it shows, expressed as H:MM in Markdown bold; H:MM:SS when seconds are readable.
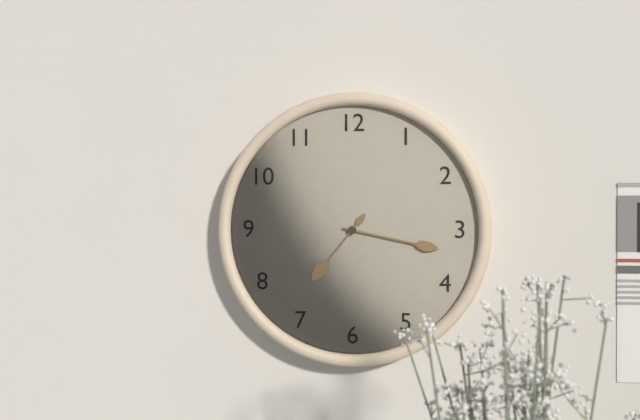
**7:17**
